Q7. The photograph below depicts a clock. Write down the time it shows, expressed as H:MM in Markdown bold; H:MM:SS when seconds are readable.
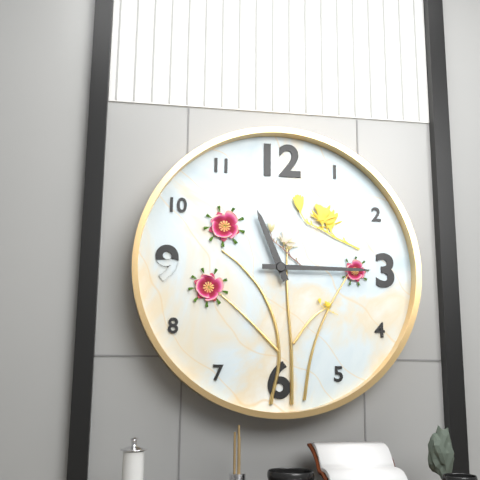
**11:15**
